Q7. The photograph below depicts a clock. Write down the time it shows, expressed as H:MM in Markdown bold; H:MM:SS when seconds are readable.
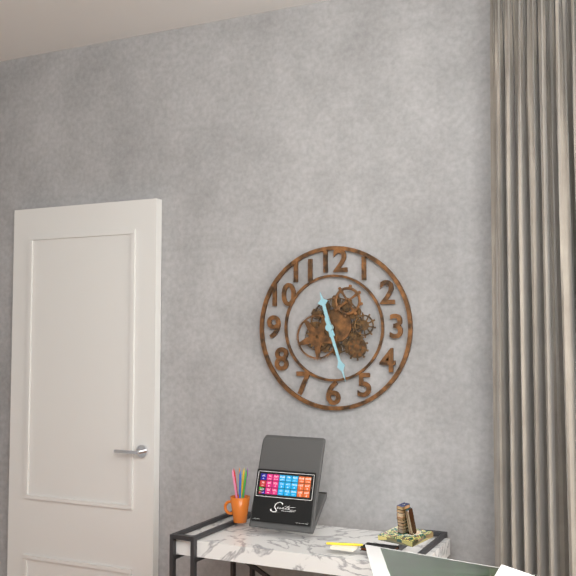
**11:27**
